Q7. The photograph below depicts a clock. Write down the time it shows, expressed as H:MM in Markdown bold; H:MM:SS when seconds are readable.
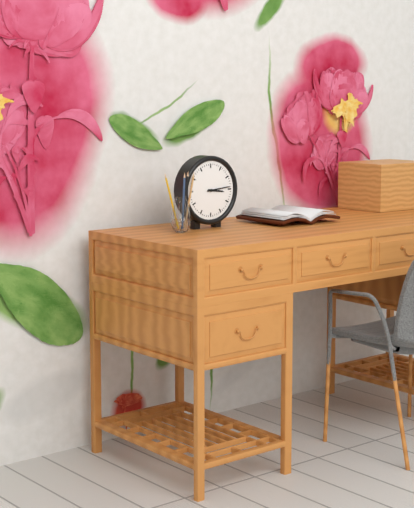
**3:14**
